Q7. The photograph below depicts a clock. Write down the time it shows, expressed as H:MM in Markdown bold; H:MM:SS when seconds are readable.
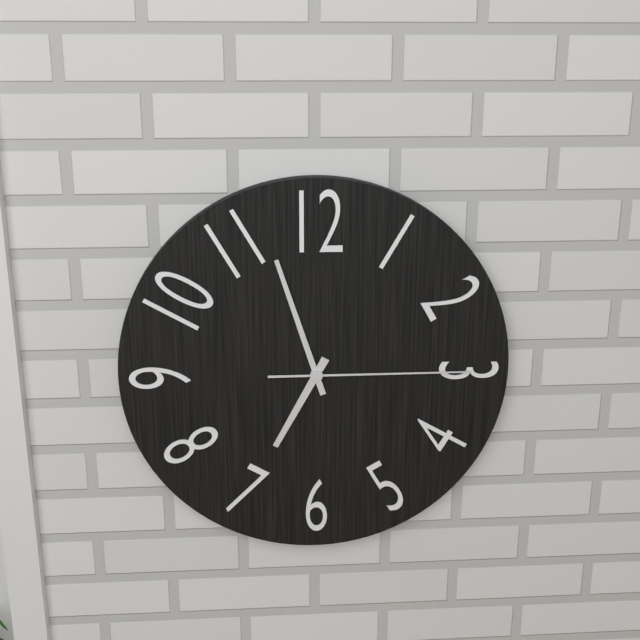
**6:57:15**
